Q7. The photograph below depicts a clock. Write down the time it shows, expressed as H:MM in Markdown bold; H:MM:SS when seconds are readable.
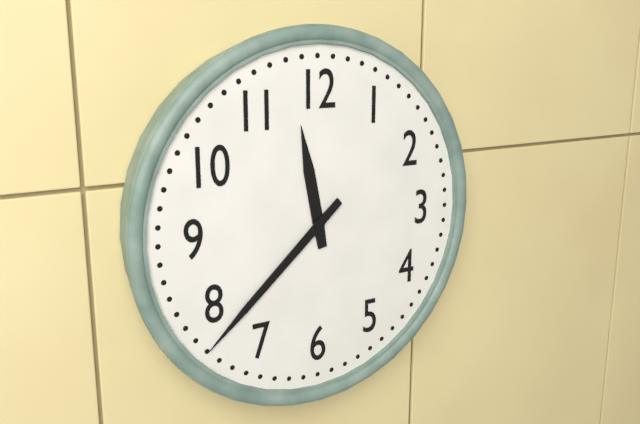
**11:38**
